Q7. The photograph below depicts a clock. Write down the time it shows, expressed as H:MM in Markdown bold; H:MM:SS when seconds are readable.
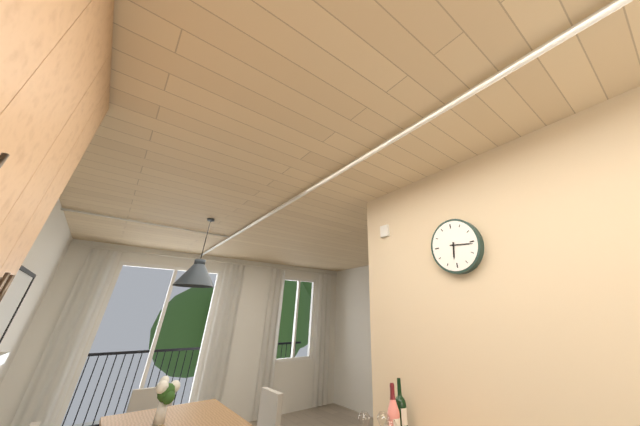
**6:16**
